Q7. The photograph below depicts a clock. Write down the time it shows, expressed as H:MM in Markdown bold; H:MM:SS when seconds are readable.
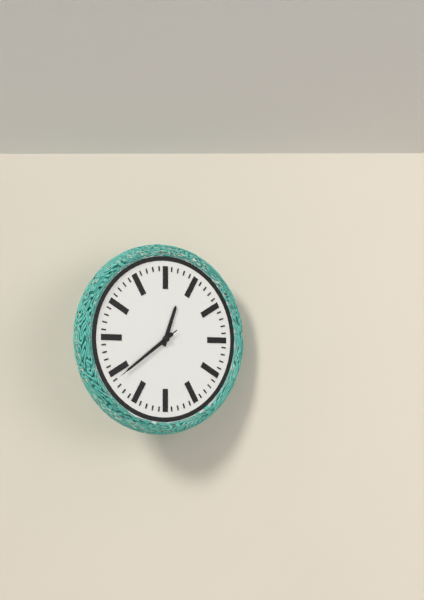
**12:39:39**
